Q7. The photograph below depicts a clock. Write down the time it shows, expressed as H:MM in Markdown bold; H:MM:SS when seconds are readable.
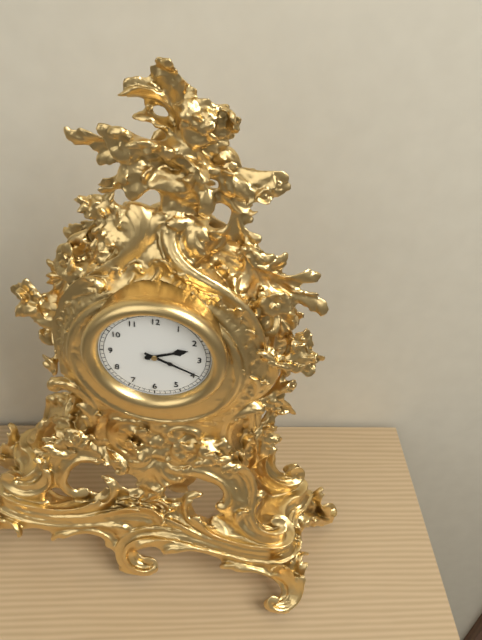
**2:19**
